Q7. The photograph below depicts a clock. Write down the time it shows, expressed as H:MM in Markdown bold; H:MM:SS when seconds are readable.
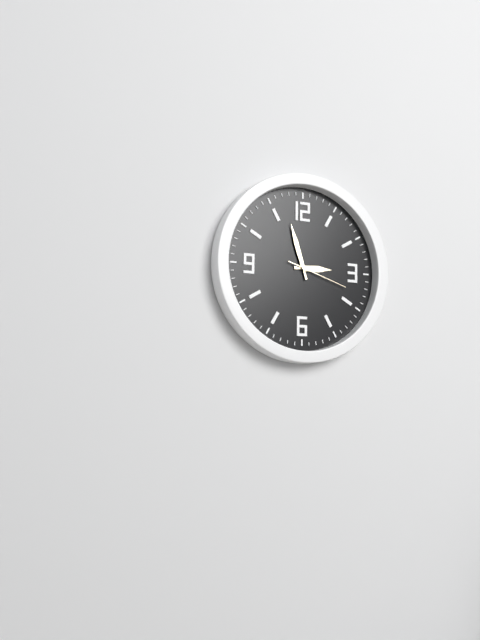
**2:57:18**
